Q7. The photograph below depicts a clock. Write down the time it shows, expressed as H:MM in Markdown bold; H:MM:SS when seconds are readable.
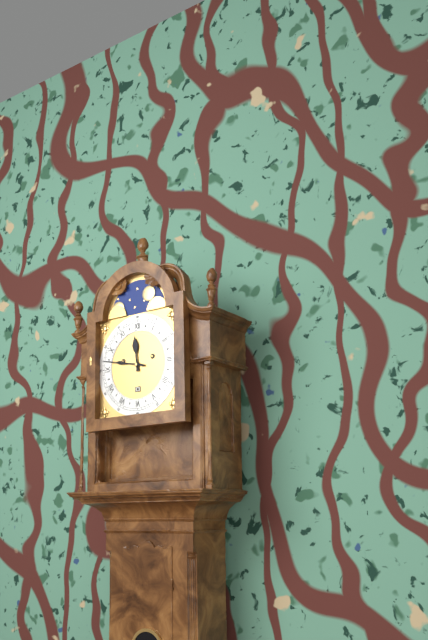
**11:47**
